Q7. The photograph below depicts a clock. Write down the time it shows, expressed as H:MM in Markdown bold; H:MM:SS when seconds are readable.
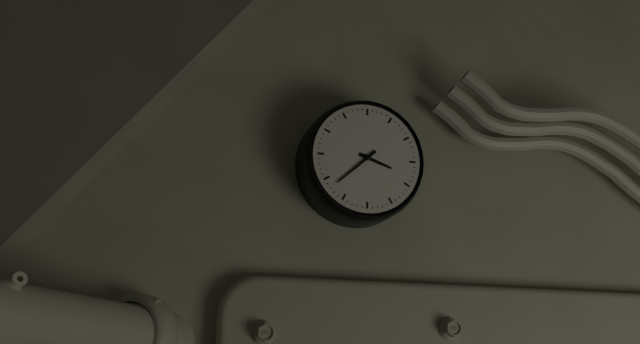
**3:38**
